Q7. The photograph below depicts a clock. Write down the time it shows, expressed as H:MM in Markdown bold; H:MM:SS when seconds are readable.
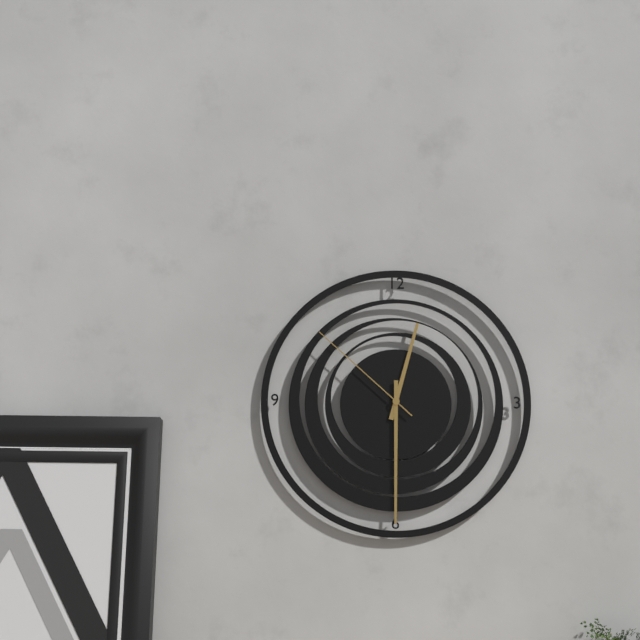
**12:30:52**
